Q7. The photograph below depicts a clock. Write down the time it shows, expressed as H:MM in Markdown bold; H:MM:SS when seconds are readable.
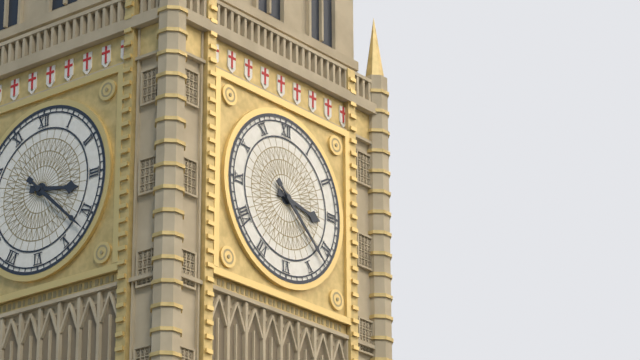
**3:22**
